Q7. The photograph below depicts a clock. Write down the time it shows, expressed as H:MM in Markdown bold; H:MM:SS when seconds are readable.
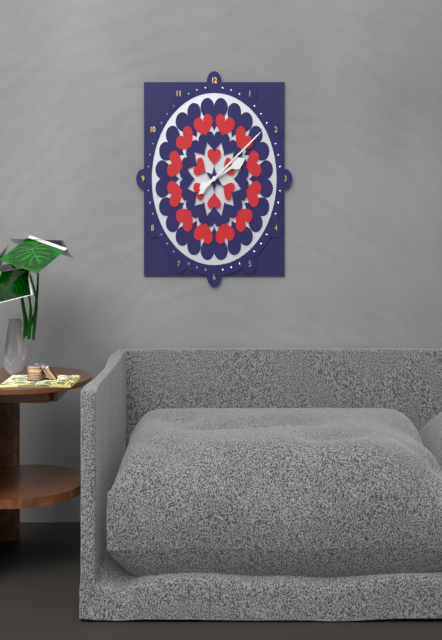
**2:09**
